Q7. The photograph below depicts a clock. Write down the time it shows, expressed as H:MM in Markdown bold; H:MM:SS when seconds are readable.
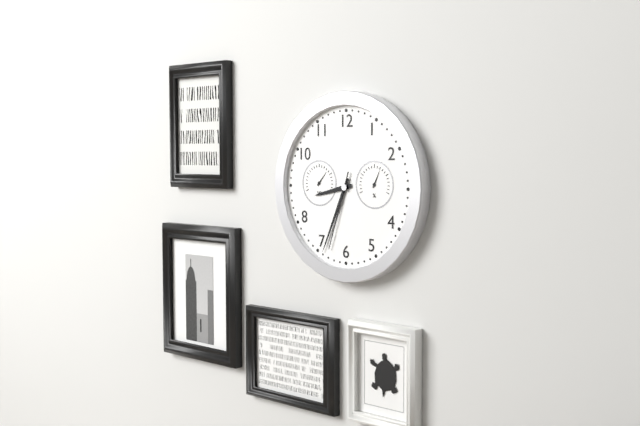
**8:34:33**
